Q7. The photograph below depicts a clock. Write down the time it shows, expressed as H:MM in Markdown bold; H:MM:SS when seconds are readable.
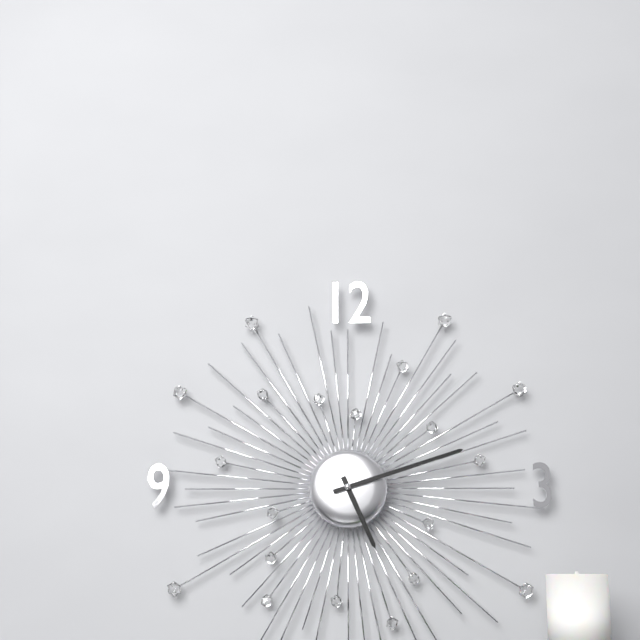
**5:12**
